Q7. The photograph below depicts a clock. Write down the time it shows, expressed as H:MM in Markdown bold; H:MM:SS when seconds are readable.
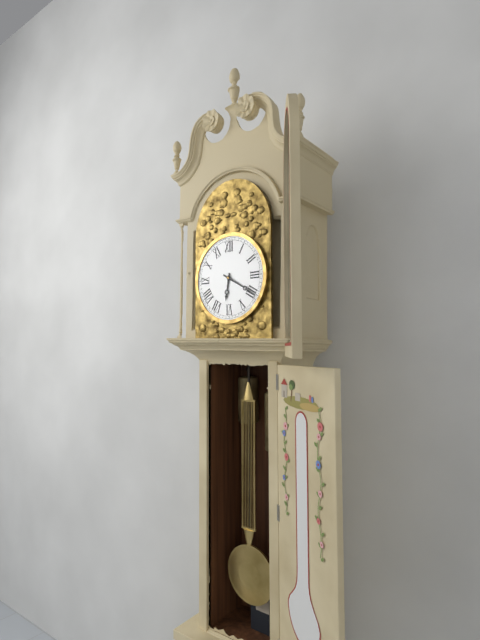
**6:20**
